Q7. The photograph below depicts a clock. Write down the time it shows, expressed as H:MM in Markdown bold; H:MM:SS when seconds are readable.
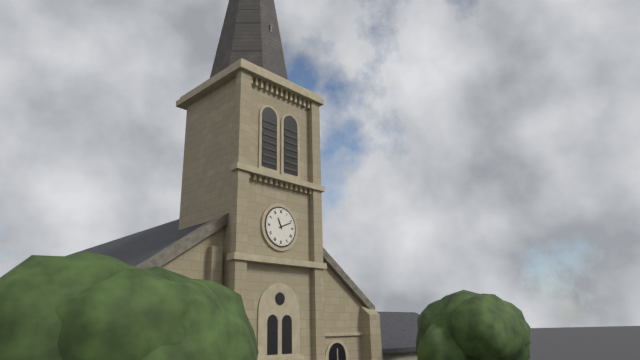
**11:11**
